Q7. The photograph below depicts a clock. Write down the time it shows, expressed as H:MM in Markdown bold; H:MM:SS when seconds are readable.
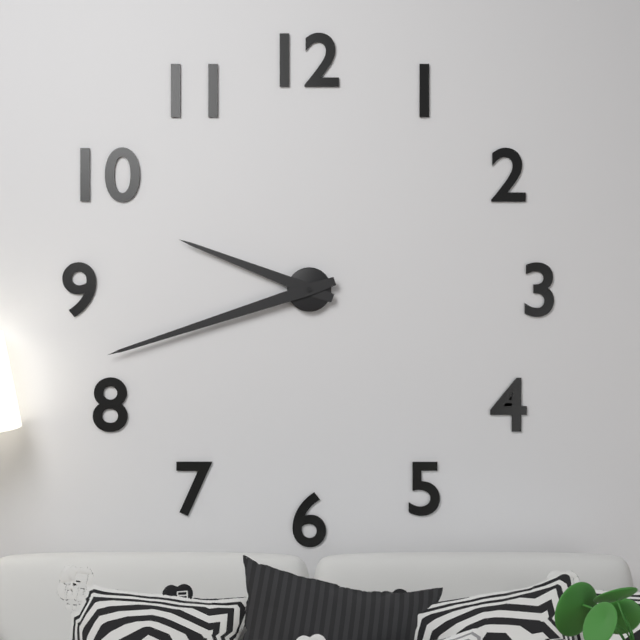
**9:42**
